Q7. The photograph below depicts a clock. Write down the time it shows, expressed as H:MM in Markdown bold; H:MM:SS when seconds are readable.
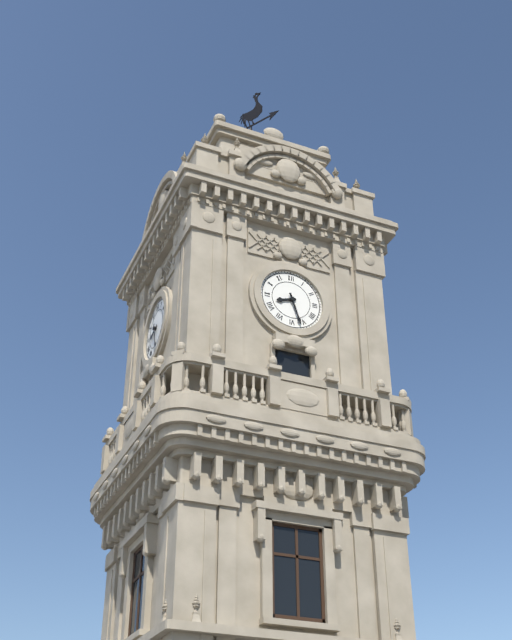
**8:27**
